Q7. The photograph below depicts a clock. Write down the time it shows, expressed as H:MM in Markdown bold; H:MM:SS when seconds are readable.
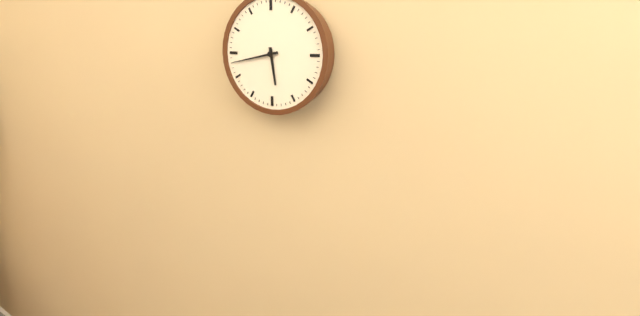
**5:43**
